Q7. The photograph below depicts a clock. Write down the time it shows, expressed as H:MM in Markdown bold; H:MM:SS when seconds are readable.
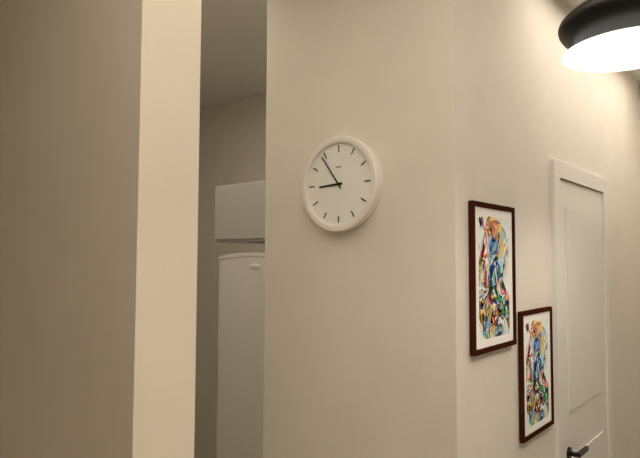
**8:54**
